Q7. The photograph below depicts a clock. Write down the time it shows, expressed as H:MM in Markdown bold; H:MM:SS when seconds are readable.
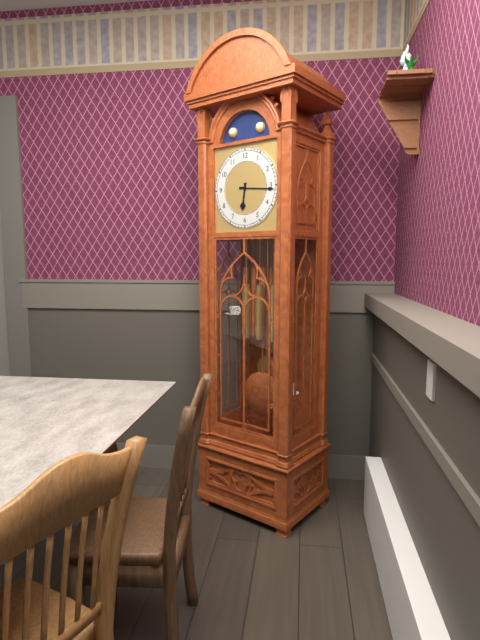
**6:16**
